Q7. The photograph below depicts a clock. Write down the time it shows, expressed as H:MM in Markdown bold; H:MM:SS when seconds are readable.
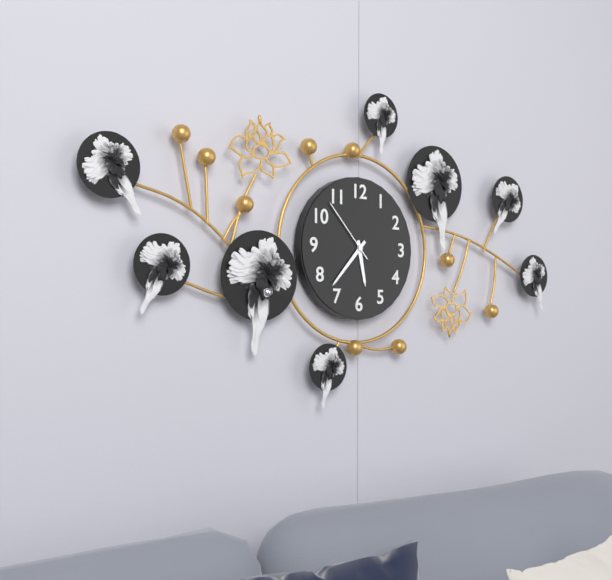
**5:37:53**
